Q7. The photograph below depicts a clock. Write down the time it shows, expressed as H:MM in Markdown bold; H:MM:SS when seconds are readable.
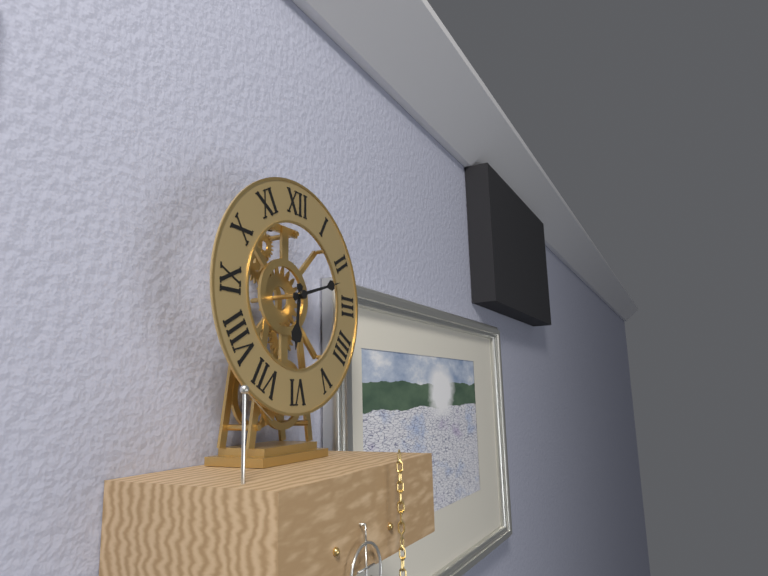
**6:12**
